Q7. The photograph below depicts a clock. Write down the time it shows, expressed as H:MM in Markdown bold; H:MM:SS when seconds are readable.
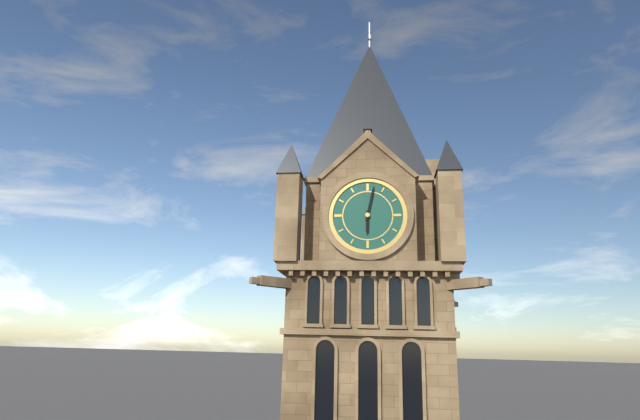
**6:02**
